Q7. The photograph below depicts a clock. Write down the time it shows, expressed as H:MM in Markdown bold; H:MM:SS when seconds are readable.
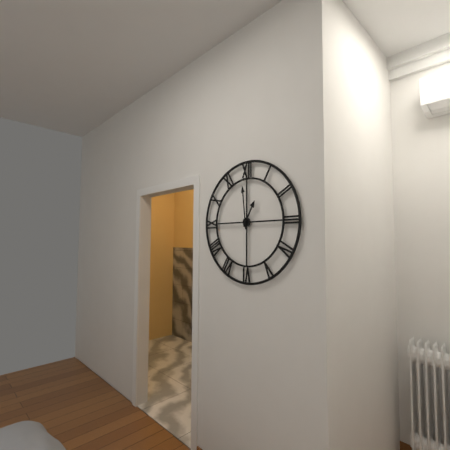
**12:59**
